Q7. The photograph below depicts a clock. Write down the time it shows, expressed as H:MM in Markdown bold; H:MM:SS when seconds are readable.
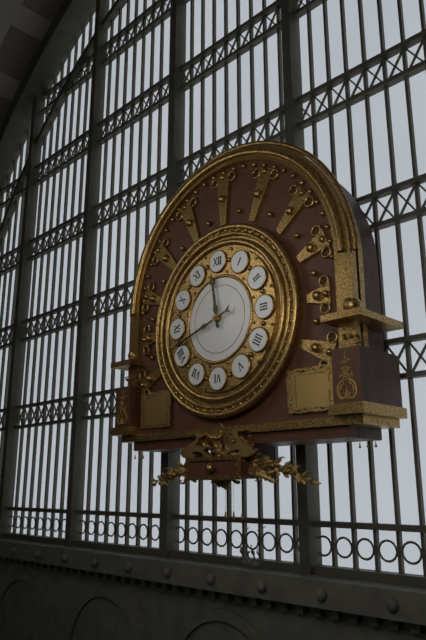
**11:42**
